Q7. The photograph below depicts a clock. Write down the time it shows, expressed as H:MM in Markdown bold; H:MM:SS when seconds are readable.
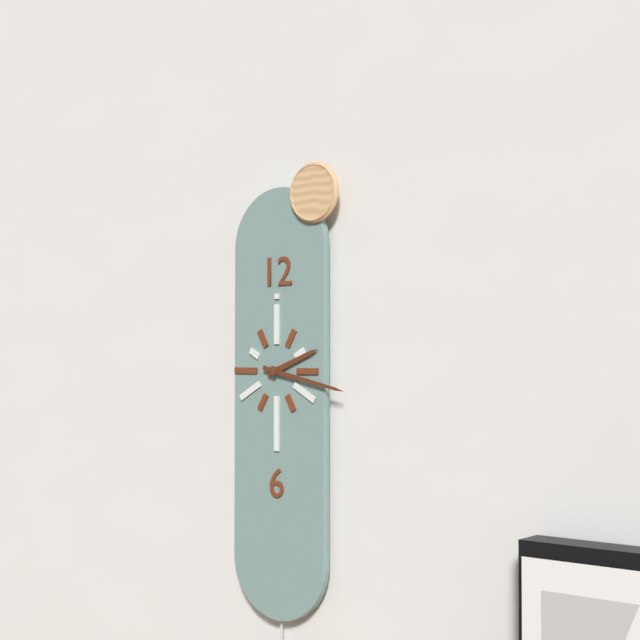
**2:17**
